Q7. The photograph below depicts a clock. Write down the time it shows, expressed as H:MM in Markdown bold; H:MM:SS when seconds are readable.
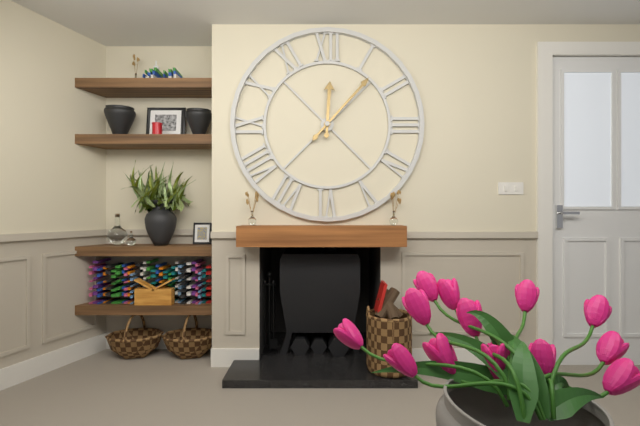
**12:07**
